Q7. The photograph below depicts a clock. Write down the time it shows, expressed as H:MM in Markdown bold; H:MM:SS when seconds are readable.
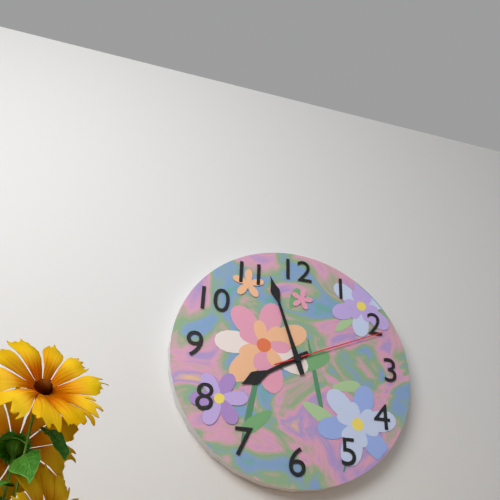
**7:57:11**
